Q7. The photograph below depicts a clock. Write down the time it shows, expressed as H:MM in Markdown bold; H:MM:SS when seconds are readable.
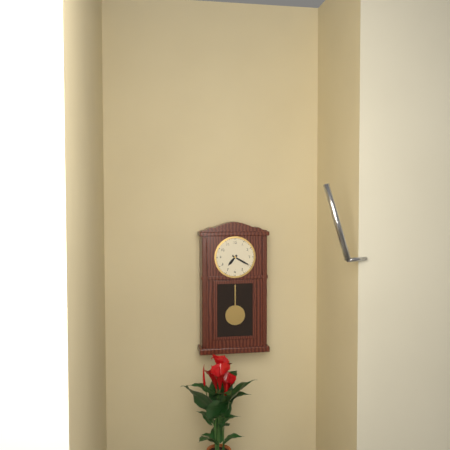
**7:20**
